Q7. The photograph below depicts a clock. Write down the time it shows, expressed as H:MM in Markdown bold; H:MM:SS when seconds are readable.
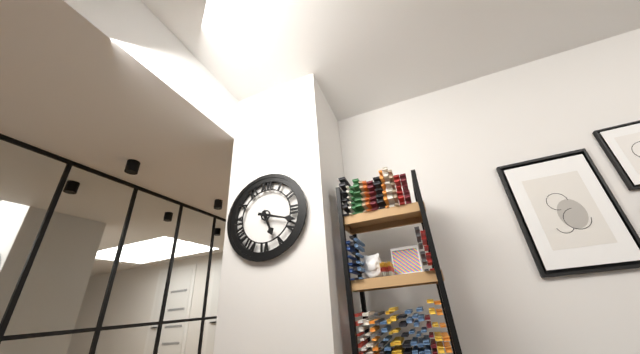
**5:18**
